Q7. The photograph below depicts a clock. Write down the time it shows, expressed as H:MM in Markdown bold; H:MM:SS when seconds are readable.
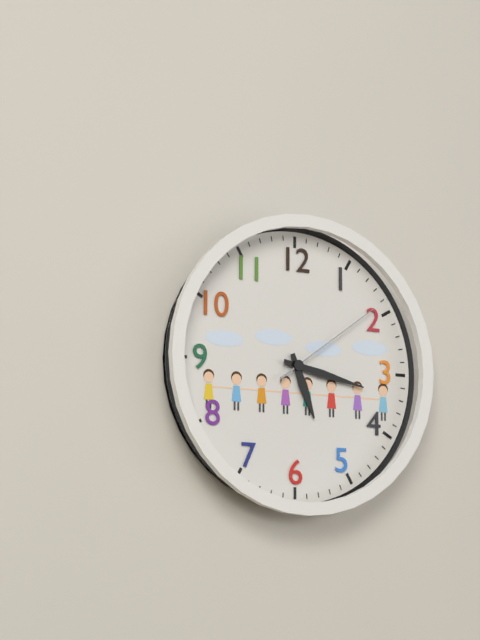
**5:17:09**
